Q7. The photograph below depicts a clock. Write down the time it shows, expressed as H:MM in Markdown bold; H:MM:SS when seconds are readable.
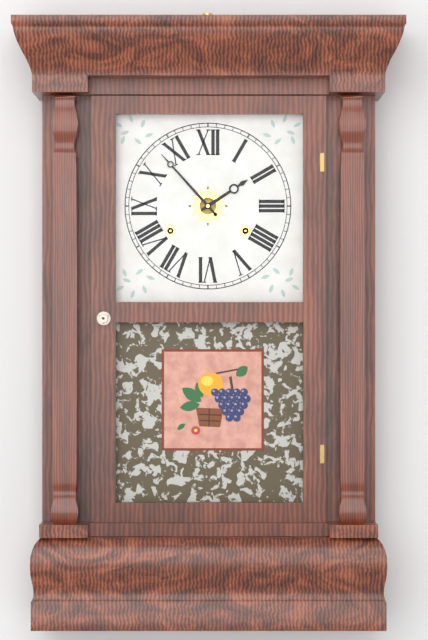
**1:53**
